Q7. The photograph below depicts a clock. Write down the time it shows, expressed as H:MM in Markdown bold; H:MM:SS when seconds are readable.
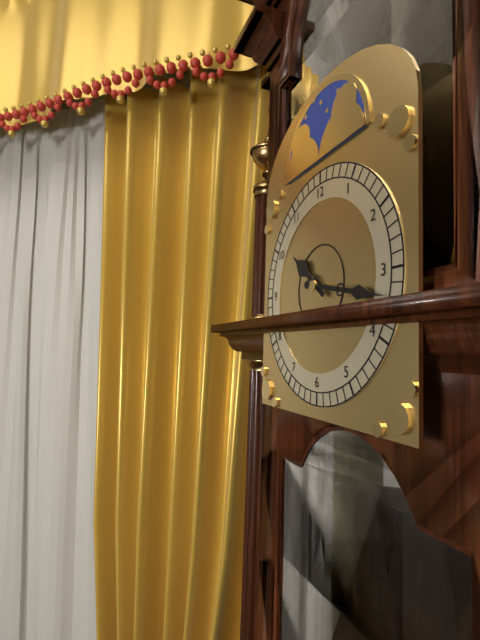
**10:17**
